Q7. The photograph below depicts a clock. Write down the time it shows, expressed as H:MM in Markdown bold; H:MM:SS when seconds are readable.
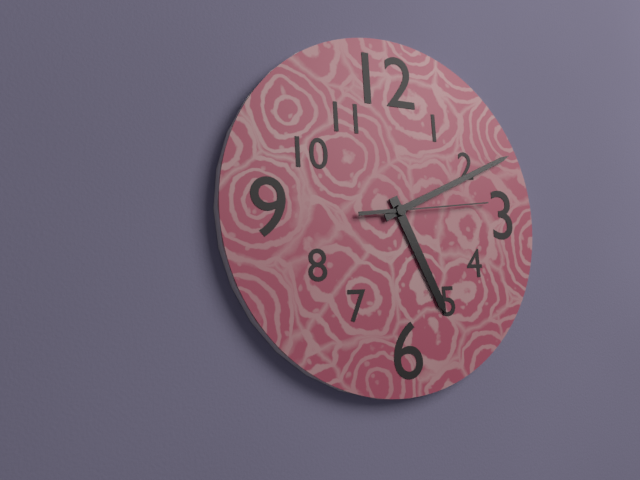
**5:11:14**
